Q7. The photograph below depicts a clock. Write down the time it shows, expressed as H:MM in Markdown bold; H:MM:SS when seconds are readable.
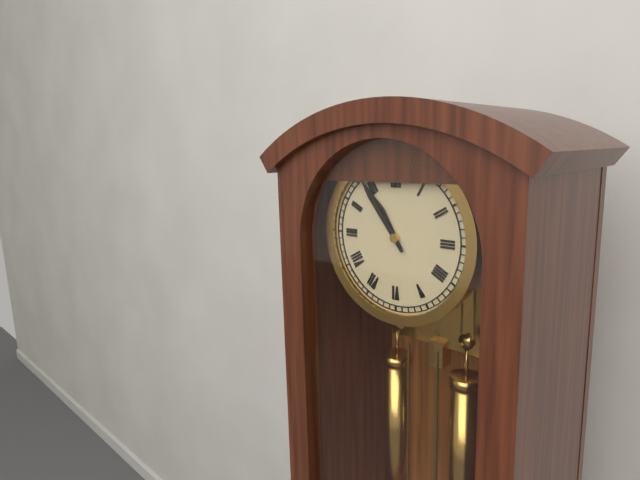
**10:54**
